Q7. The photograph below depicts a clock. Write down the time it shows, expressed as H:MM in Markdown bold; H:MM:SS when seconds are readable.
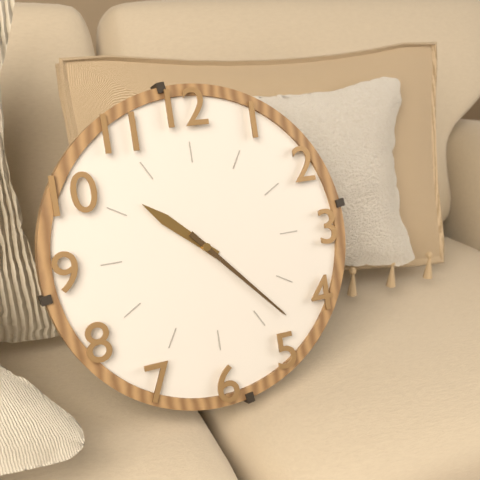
**10:23**
